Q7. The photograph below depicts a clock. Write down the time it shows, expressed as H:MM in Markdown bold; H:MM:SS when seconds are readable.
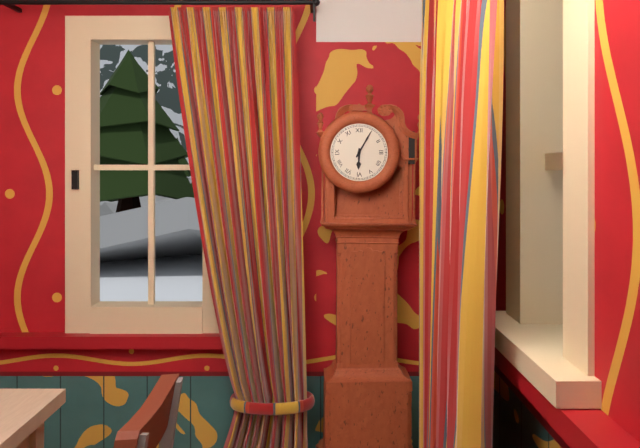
**6:05**
